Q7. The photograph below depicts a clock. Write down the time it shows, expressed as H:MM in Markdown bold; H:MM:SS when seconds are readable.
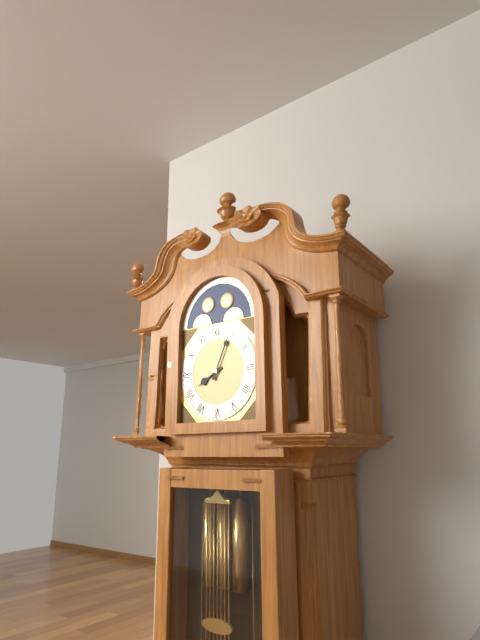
**8:04**
